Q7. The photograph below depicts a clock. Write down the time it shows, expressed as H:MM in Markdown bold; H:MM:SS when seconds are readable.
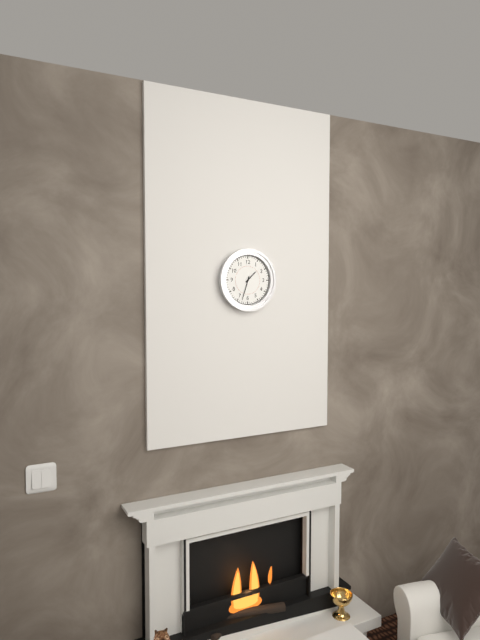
**1:33**
